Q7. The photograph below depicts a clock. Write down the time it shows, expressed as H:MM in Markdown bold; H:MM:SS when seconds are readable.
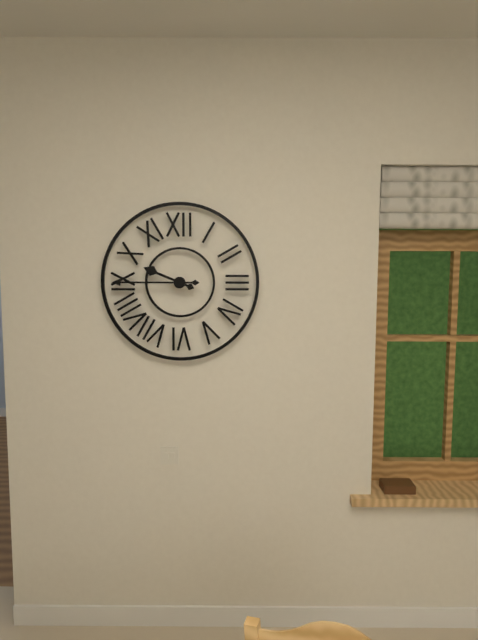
**9:45**
